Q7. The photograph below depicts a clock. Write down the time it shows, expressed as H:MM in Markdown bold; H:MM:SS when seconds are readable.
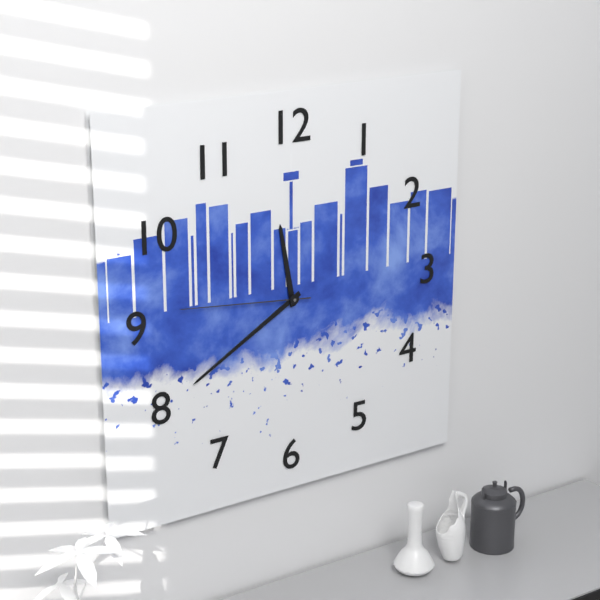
**11:40:46**
